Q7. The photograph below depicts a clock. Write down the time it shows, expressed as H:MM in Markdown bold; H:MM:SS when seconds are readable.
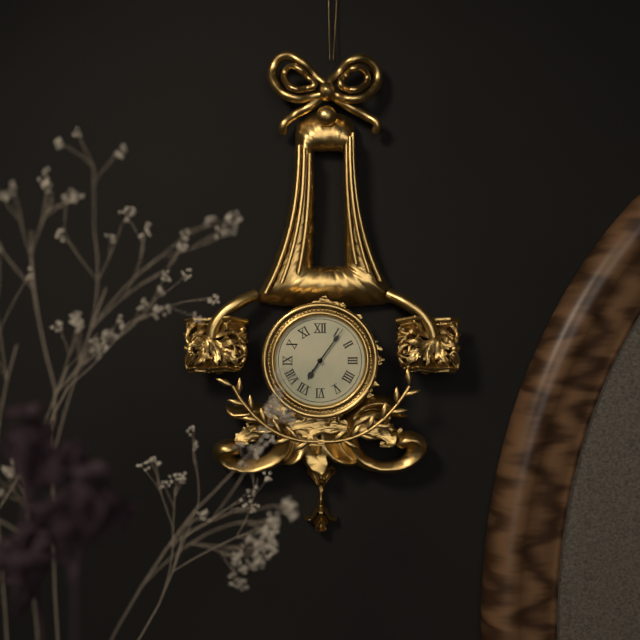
**7:06**
